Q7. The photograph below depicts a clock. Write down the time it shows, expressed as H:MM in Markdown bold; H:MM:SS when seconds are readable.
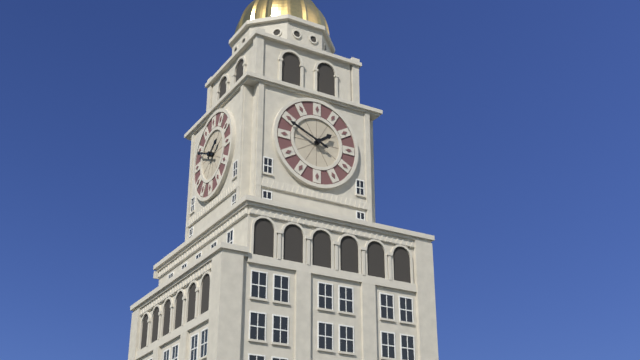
**1:49**
